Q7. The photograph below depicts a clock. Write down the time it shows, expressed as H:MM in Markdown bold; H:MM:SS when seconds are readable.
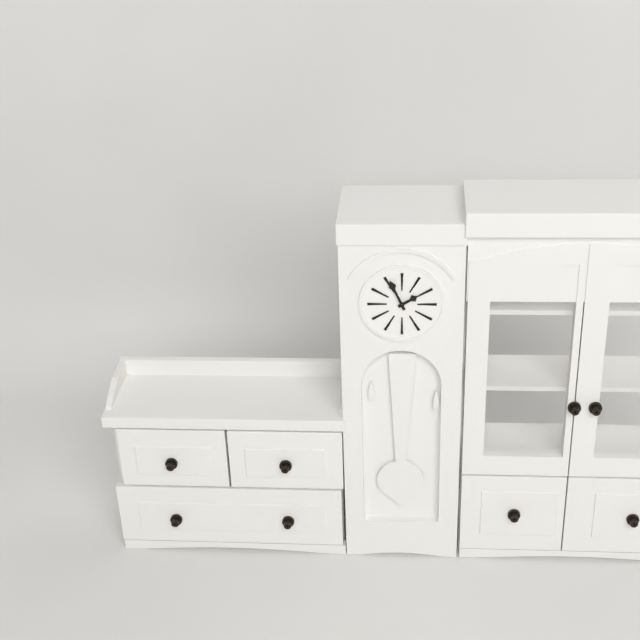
**1:56**
